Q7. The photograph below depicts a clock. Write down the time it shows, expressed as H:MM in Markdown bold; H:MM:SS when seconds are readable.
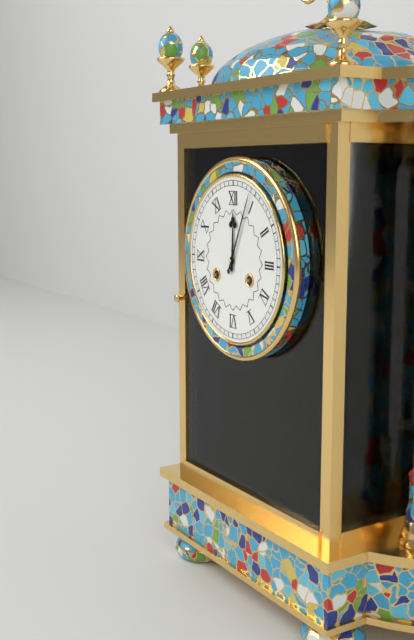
**12:04**
